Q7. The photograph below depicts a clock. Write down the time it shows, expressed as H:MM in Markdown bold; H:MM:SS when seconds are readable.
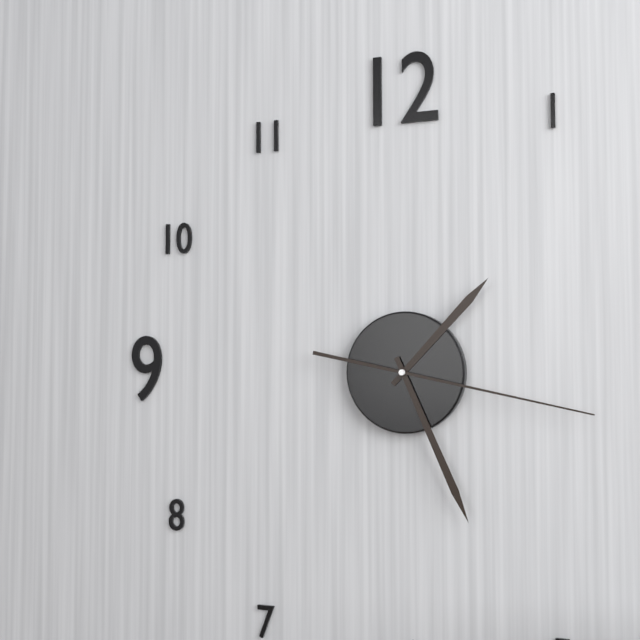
**1:26:17**
